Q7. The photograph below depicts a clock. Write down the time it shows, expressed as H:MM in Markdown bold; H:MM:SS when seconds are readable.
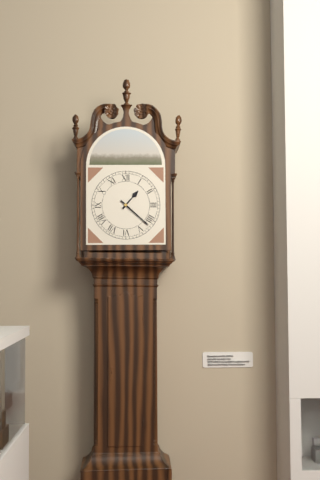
**1:22**
